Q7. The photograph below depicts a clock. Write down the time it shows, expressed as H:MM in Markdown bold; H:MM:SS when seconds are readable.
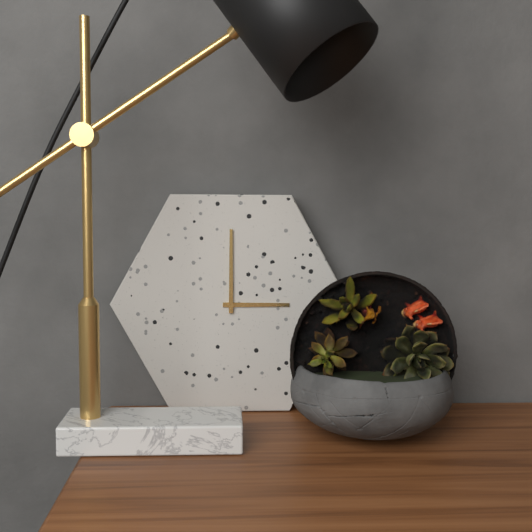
**3:00**
